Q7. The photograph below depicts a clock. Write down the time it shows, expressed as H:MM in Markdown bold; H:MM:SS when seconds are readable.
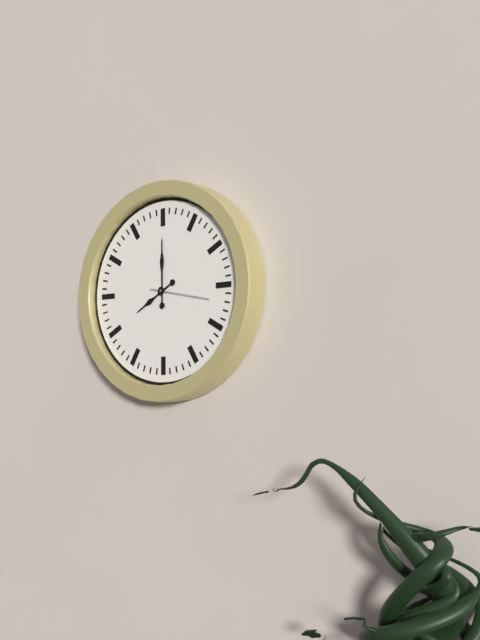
**8:00:17**
